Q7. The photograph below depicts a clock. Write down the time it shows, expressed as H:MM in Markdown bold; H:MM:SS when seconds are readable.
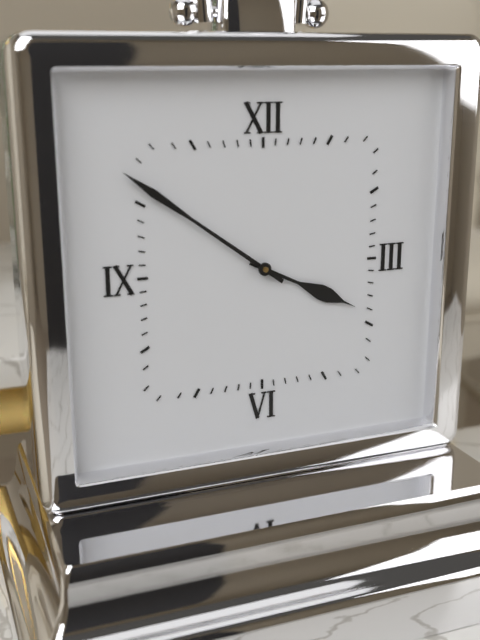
**3:51**
